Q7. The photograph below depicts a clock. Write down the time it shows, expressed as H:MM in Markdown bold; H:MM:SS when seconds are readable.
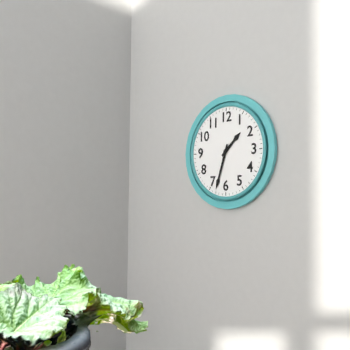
**1:33**
